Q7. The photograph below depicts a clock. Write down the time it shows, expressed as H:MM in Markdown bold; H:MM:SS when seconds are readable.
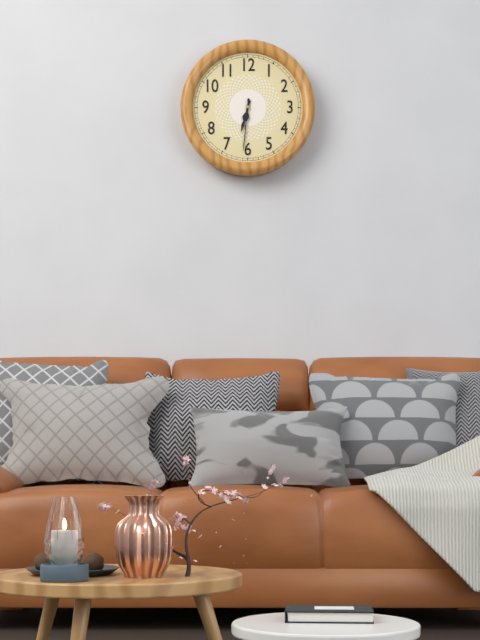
**6:31**
